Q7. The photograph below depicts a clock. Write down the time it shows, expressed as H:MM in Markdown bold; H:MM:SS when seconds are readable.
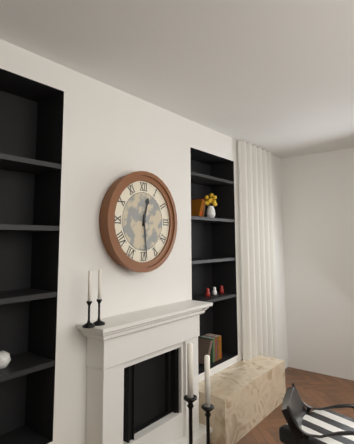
**12:29**
